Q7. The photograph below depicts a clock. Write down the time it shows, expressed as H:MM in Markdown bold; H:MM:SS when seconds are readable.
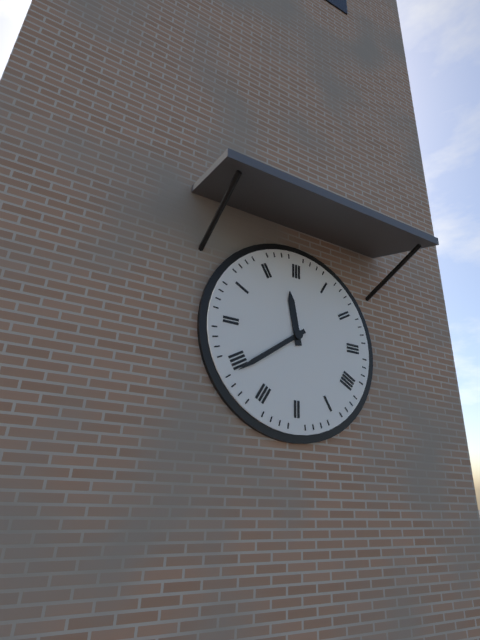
**11:39**
